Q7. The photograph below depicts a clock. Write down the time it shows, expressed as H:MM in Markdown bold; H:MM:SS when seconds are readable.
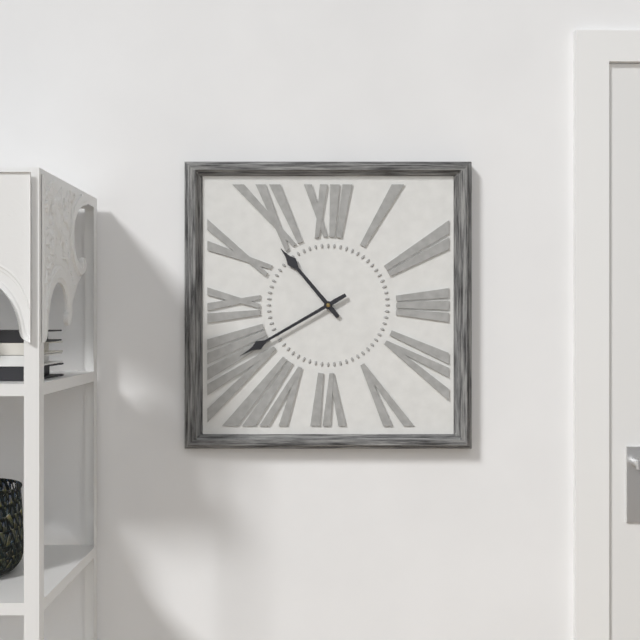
**10:40**
